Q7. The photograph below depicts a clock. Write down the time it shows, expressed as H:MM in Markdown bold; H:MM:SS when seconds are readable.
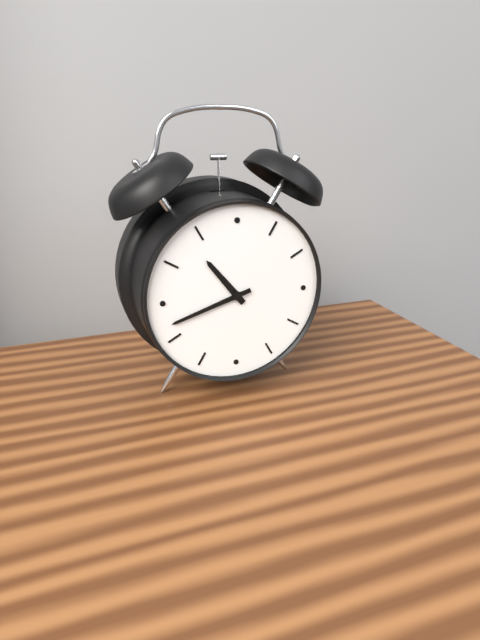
**10:42**
